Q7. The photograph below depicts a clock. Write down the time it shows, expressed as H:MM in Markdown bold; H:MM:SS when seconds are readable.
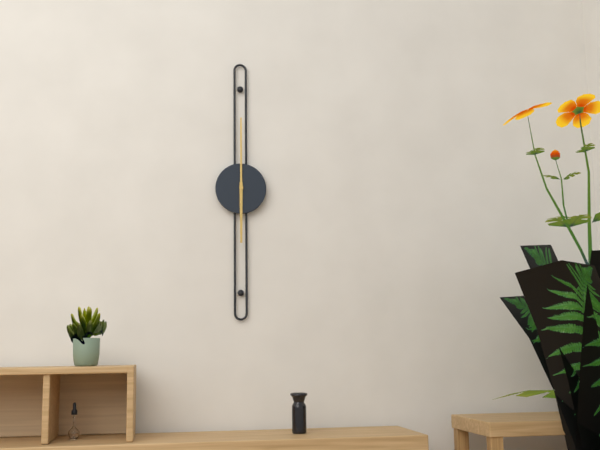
**6:00**
